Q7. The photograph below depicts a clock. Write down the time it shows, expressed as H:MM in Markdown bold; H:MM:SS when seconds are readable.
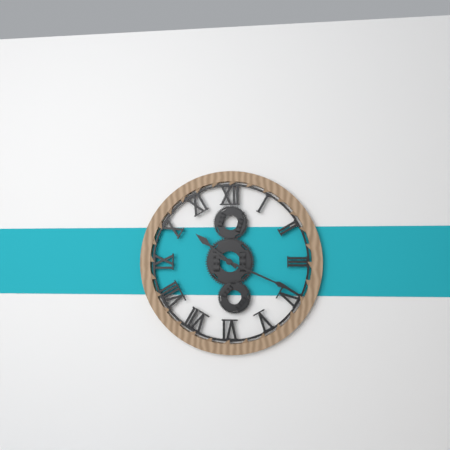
**10:19**
